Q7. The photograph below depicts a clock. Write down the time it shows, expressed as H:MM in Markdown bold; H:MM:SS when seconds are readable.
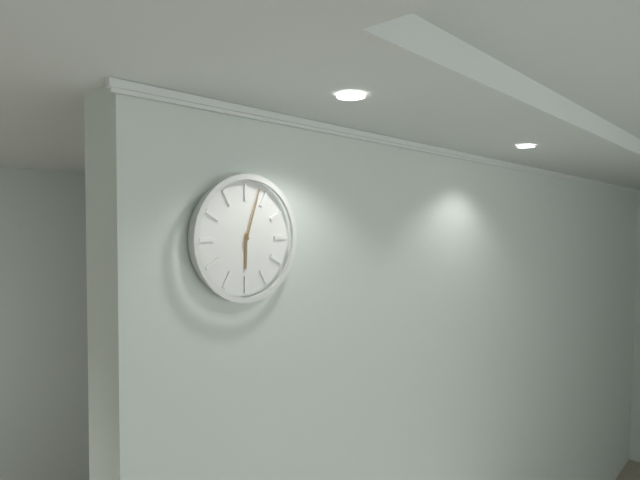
**6:03**
